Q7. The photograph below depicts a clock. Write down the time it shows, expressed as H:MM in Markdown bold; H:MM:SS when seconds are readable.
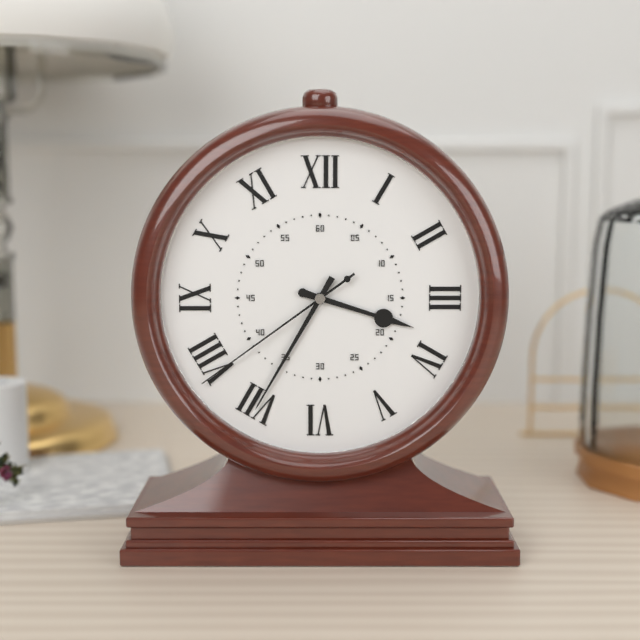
**3:35:39**
